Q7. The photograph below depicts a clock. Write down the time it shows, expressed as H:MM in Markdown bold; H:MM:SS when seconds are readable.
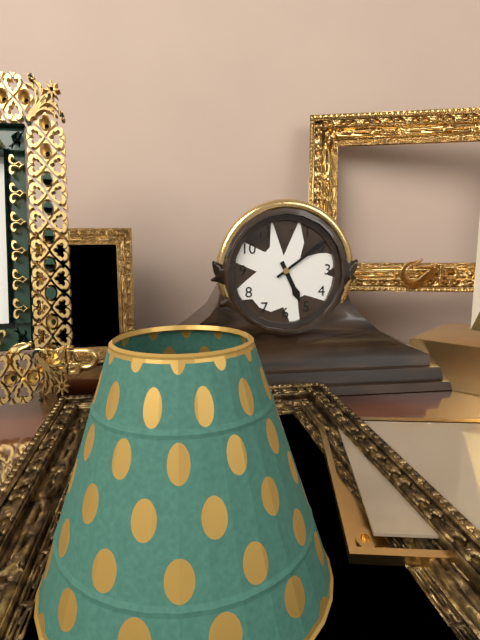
**5:09**
